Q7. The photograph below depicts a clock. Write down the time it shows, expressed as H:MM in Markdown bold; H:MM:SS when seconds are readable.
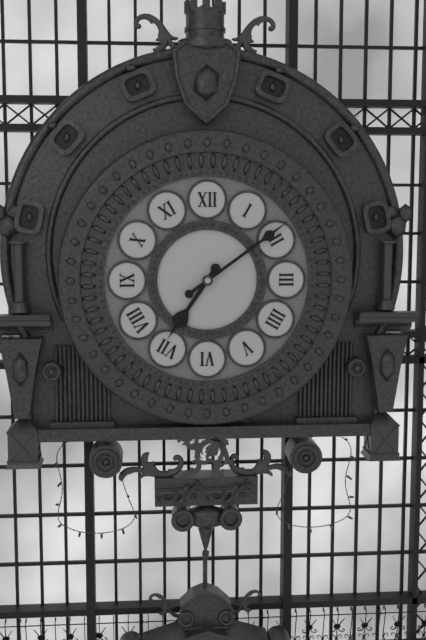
**7:09**
